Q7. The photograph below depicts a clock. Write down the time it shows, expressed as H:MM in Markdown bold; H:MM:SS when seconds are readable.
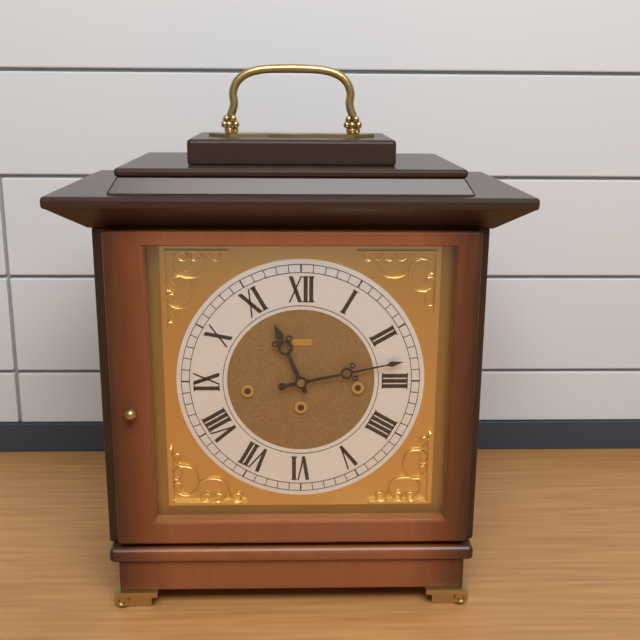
**11:13**
